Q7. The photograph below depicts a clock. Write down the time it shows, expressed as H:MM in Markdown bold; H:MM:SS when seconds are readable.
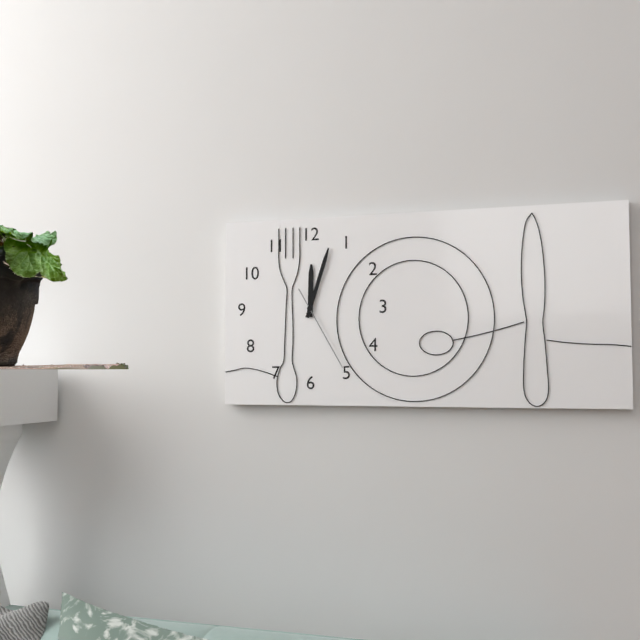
**12:03:25**
